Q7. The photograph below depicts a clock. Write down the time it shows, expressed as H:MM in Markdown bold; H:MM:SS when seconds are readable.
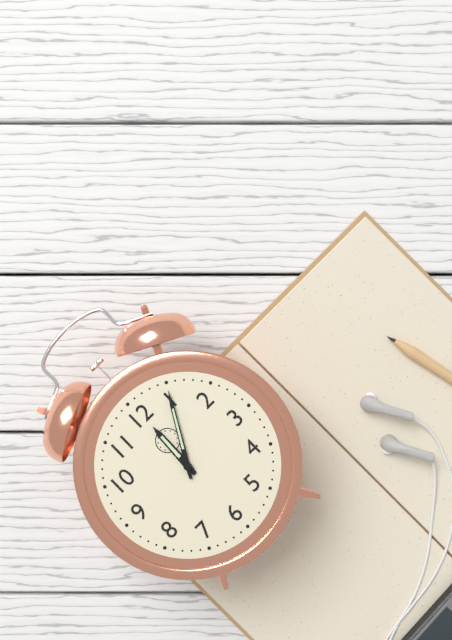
**12:05**
